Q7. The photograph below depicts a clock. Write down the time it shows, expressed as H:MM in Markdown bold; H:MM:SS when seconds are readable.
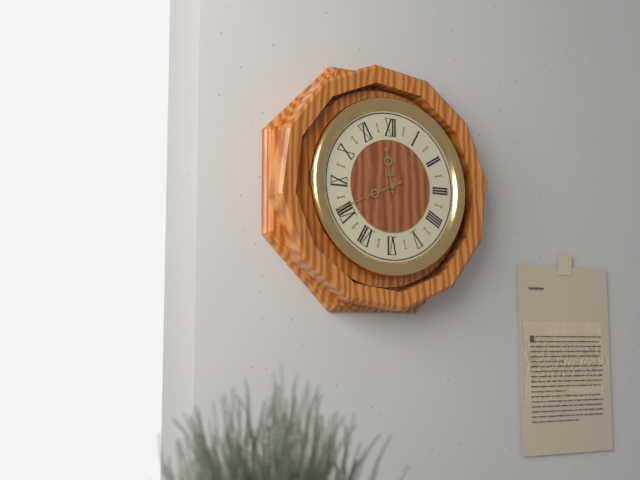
**11:41**
